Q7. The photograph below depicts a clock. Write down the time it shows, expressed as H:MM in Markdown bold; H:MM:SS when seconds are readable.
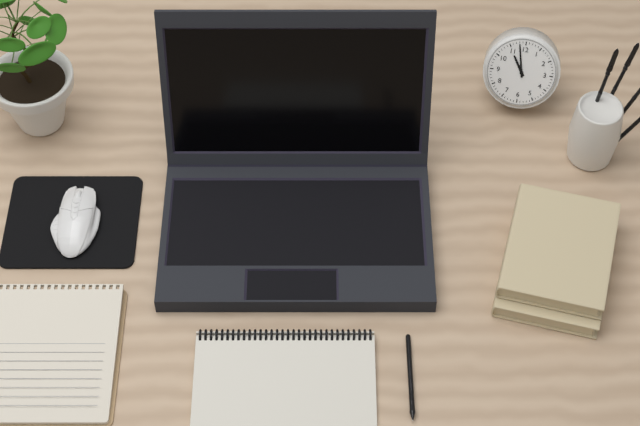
**10:58**
